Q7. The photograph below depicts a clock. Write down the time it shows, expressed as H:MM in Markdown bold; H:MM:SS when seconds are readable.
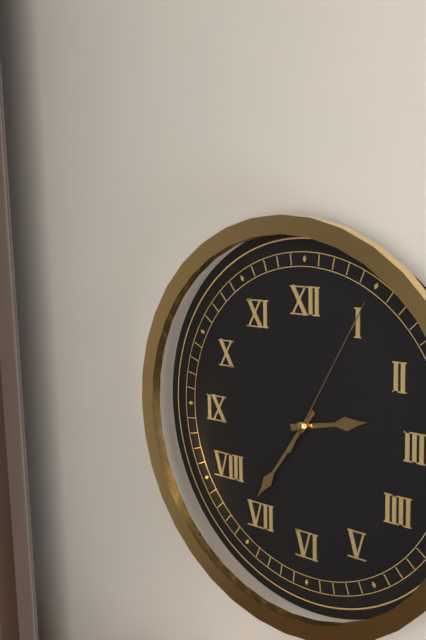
**2:36:05**
